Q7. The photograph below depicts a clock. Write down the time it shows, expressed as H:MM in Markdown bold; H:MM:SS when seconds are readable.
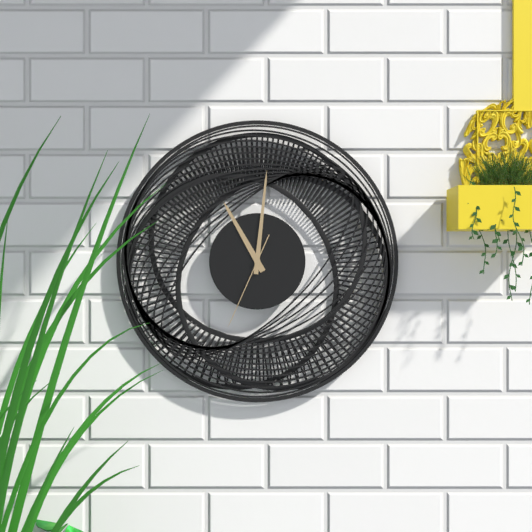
**11:01:34**
